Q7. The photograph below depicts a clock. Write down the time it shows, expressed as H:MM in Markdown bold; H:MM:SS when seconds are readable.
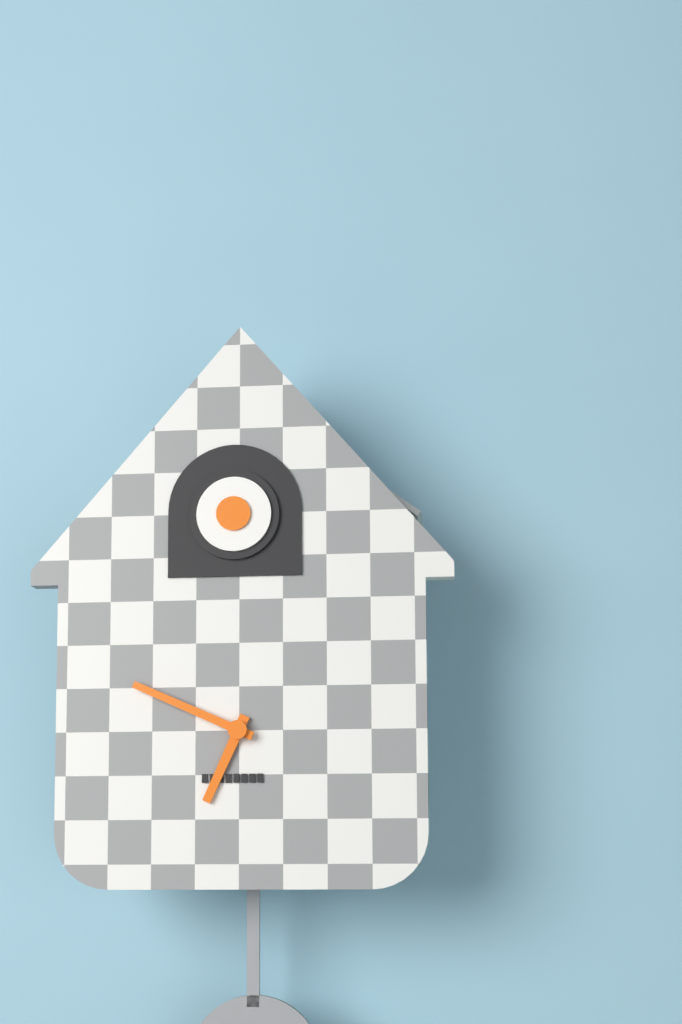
**6:49**
